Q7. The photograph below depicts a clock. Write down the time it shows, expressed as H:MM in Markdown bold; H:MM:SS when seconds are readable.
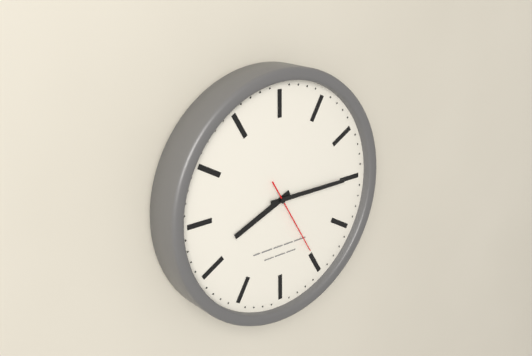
**8:15:25**
